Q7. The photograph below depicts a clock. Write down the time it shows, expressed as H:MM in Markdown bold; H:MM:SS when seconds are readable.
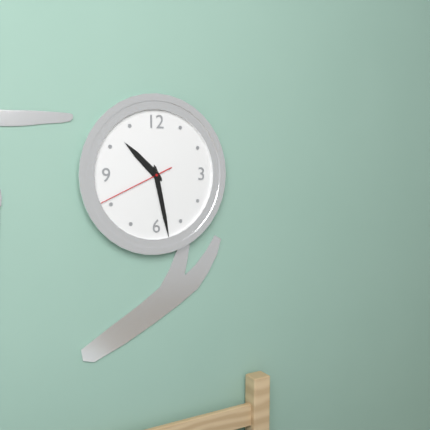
**10:28:41**
